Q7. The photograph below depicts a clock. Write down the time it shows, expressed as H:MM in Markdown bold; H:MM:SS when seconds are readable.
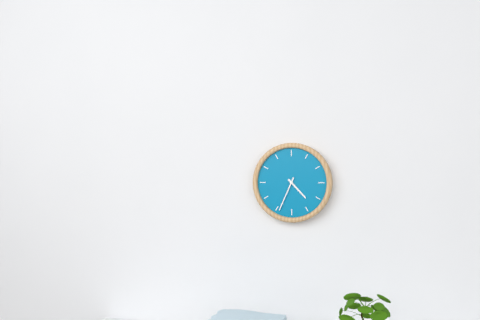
**4:34**
